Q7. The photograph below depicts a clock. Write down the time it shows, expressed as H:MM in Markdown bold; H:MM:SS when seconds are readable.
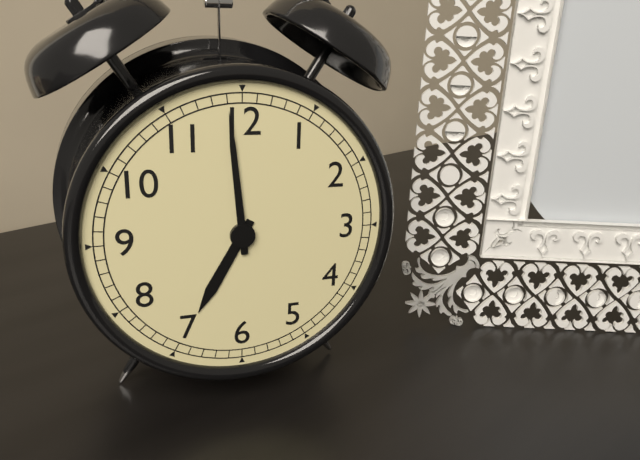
**6:59**
